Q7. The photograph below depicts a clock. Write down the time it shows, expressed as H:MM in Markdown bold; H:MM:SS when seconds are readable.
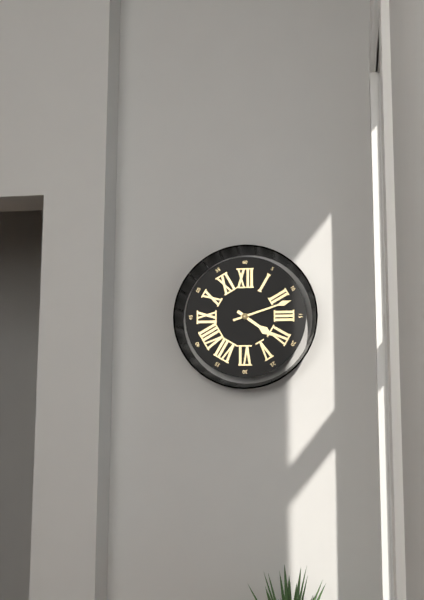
**4:12**
